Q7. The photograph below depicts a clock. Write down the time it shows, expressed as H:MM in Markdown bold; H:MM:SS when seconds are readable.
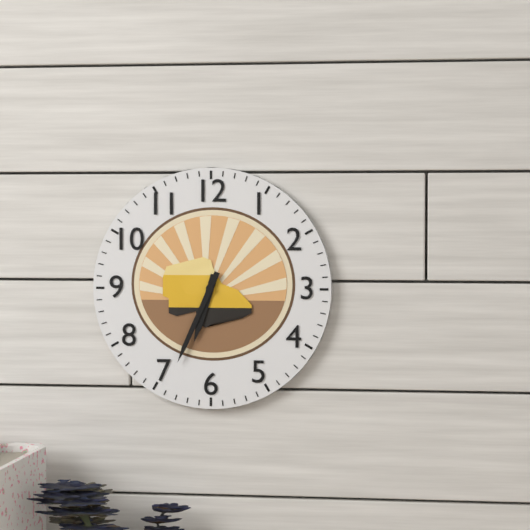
**6:34**
